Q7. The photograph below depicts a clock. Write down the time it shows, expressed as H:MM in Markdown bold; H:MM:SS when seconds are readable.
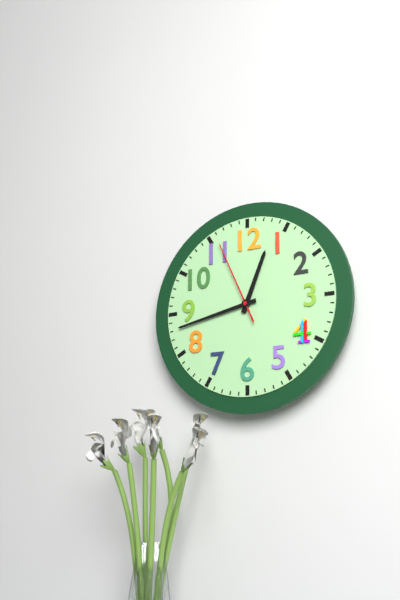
**12:43:56**
